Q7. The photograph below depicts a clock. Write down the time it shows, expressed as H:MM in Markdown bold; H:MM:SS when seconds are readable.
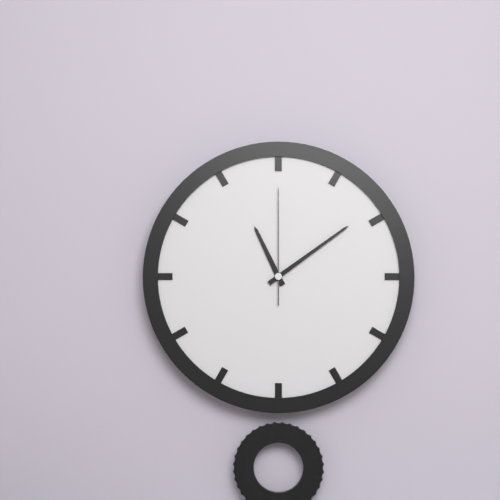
**11:09:00**
